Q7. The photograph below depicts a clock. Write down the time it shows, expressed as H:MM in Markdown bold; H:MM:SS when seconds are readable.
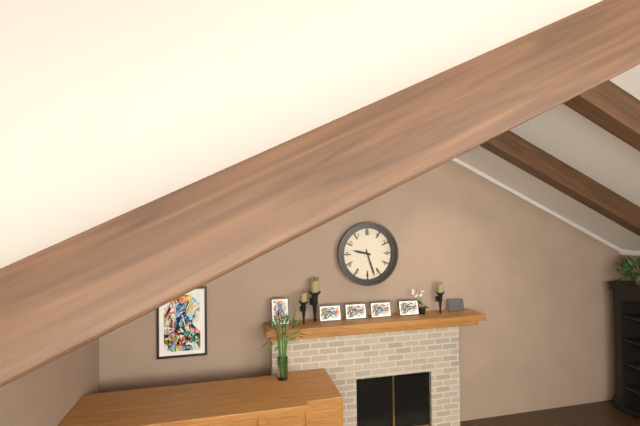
**9:27**
